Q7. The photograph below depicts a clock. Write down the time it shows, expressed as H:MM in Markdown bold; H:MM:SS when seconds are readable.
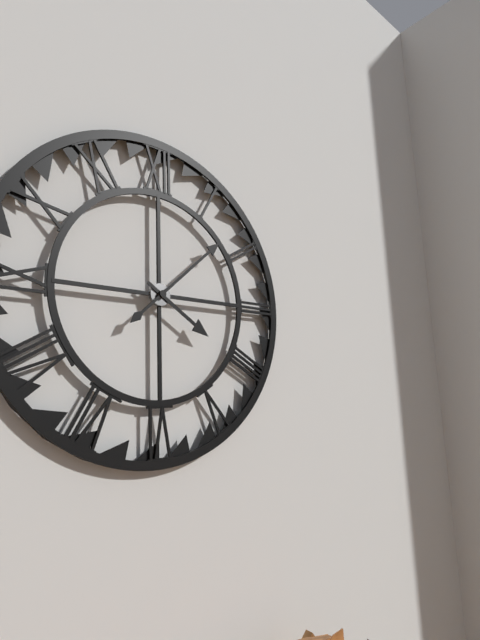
**4:08**
